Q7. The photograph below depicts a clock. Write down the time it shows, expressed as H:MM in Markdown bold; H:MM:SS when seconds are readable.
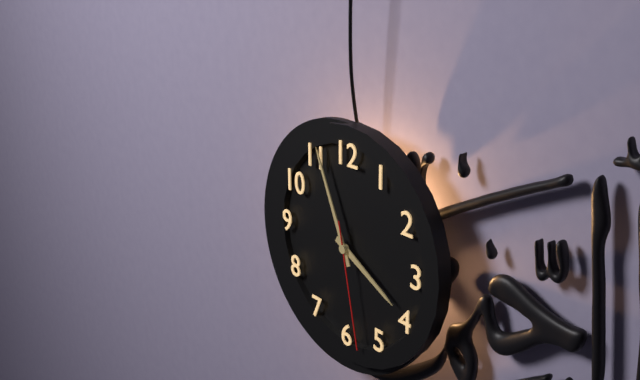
**3:56:28**
